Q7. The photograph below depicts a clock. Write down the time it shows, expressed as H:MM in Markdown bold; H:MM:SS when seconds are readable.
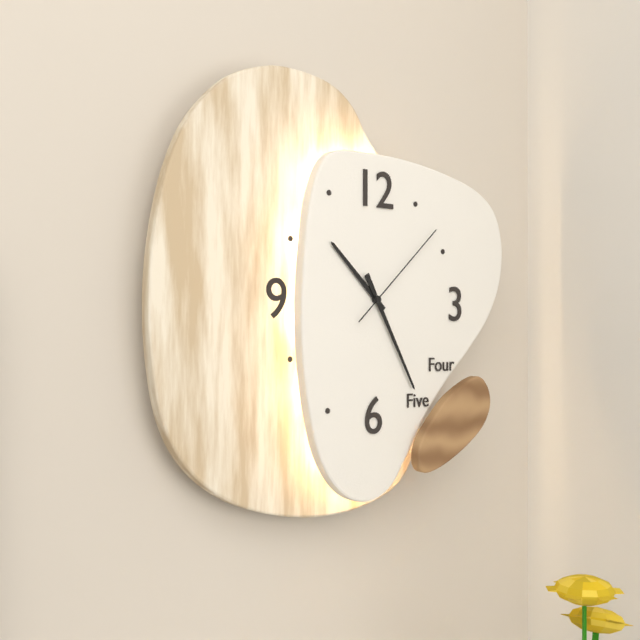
**10:25:08**
